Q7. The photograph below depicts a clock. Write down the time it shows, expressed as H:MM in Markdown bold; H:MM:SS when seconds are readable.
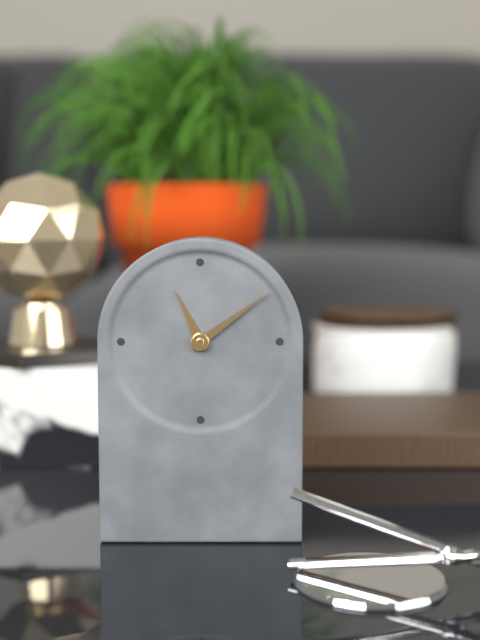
**11:09**
